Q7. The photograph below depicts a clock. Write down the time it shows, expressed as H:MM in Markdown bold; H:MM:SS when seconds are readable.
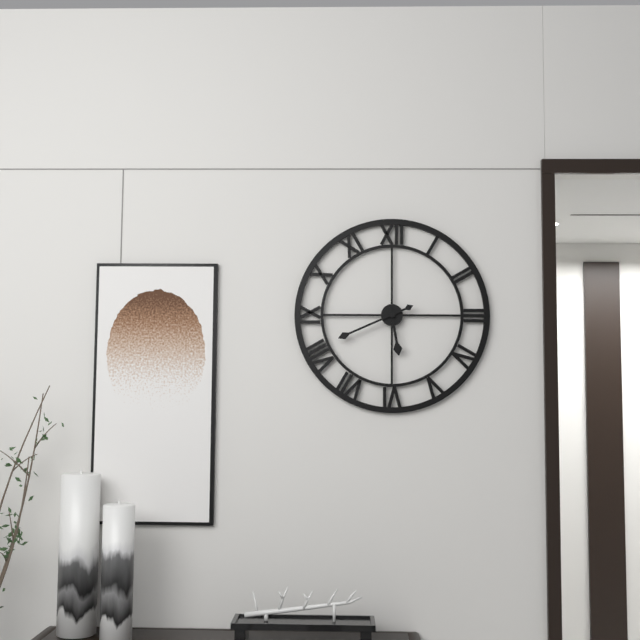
**5:41**
